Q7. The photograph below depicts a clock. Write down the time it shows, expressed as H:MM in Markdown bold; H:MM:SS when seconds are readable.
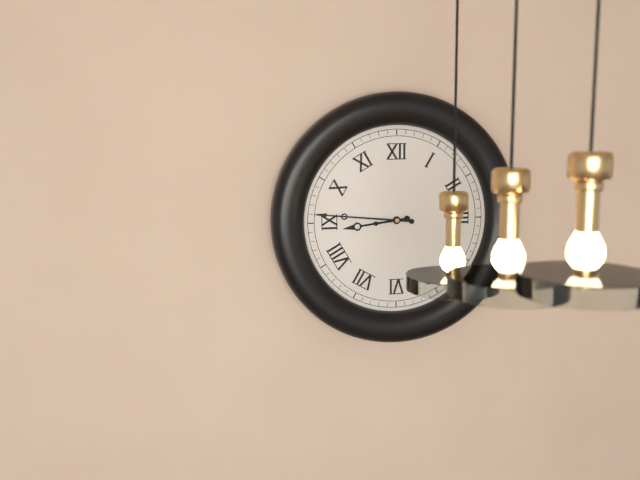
**8:46**
